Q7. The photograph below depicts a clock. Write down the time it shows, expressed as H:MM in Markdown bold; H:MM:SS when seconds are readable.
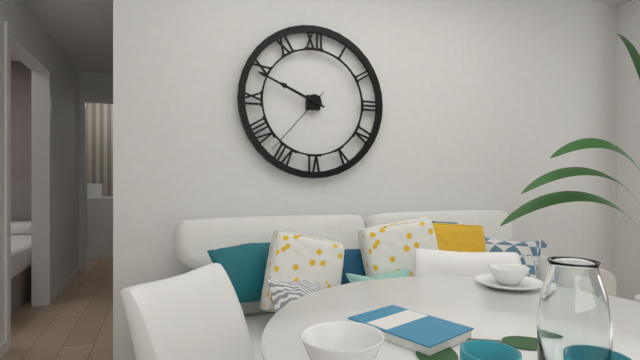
**9:49:37**
